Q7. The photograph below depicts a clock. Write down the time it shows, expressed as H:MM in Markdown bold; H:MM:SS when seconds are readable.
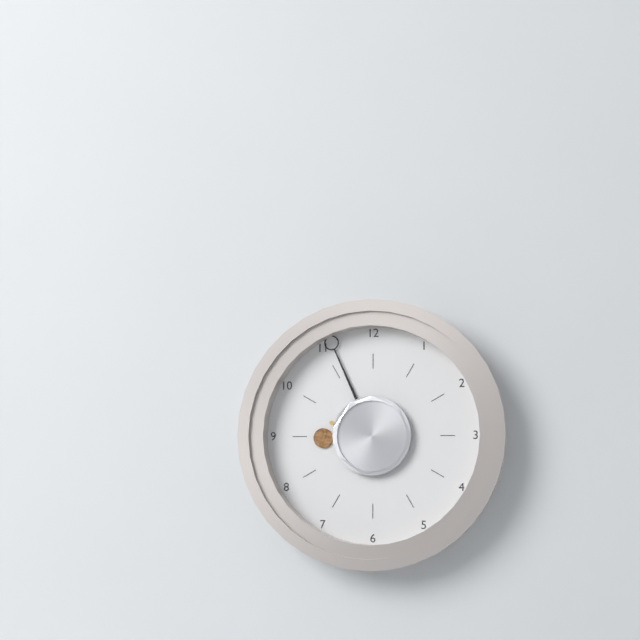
**8:56**
